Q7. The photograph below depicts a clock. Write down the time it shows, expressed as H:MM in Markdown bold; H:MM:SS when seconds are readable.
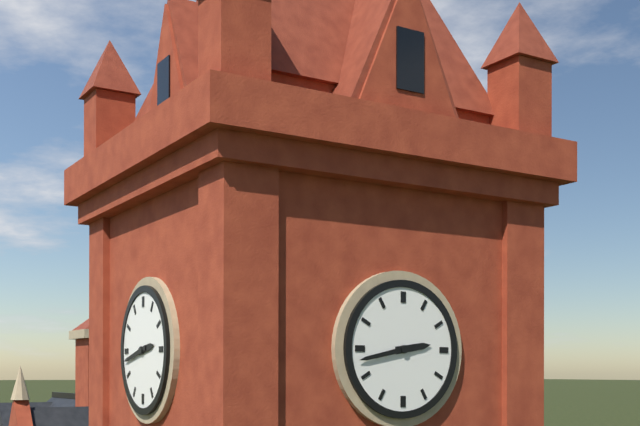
**2:43**
